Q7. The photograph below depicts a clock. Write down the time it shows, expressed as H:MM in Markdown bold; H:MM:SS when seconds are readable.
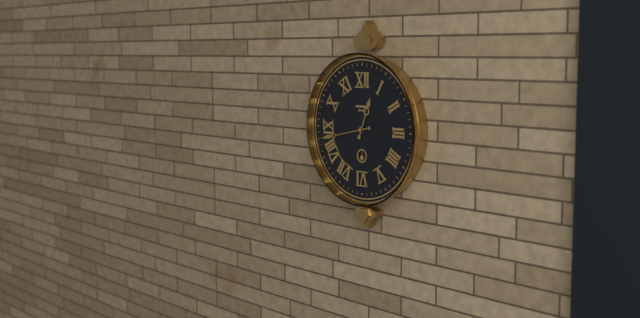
**12:43**
